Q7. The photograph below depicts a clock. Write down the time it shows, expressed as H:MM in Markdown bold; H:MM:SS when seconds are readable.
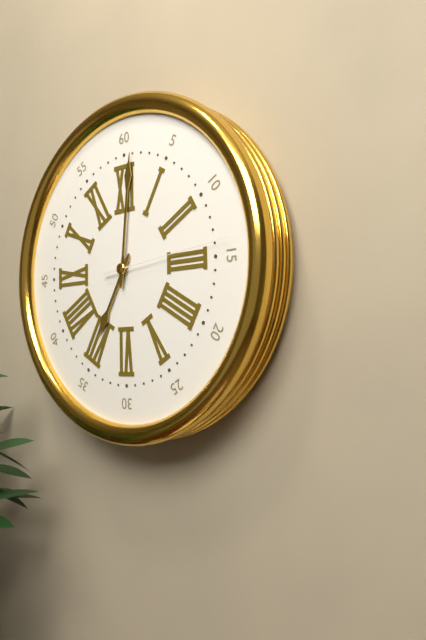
**7:01:14**
